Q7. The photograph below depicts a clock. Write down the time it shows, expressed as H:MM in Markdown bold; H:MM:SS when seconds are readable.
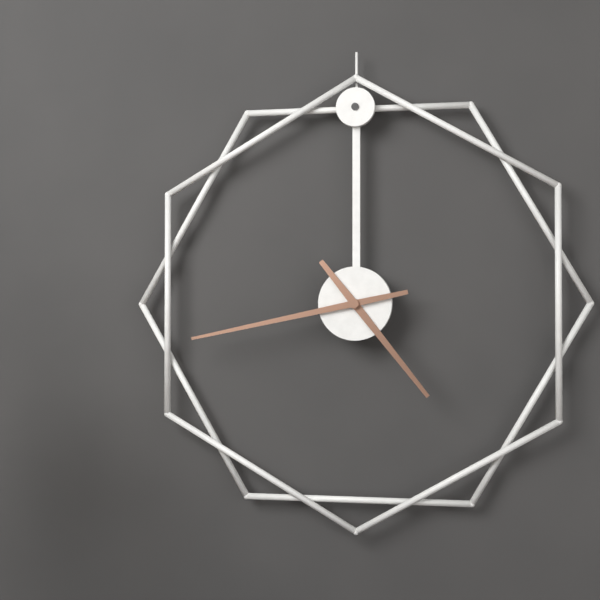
**4:43**
